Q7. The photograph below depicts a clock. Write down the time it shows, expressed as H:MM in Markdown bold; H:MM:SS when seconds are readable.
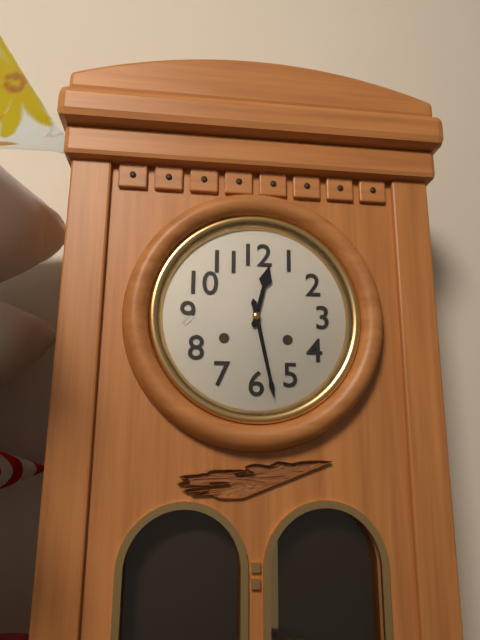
**12:28**
